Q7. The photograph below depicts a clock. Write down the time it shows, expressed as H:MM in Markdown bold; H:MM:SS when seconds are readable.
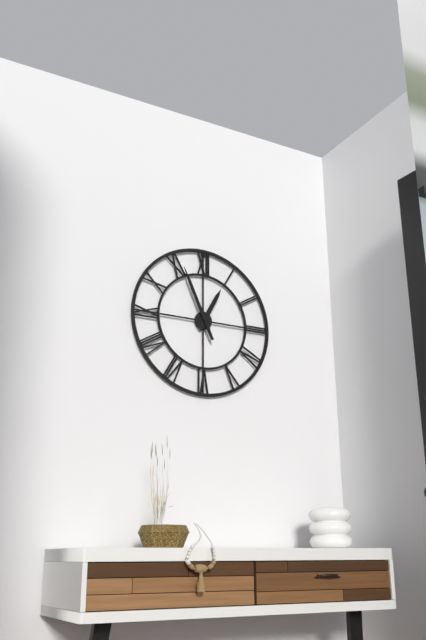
**12:56**
